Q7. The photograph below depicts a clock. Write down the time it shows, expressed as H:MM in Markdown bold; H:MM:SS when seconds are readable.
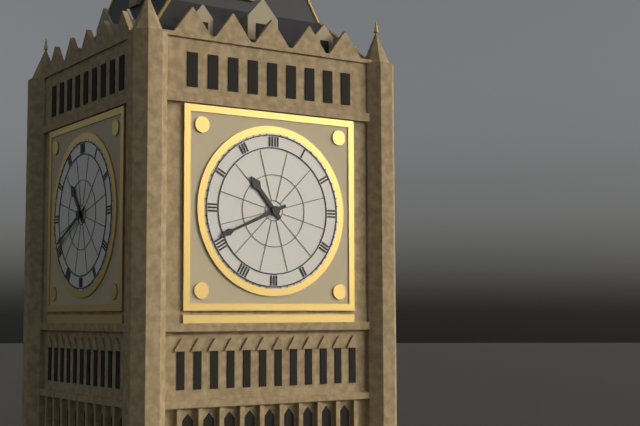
**10:41**
